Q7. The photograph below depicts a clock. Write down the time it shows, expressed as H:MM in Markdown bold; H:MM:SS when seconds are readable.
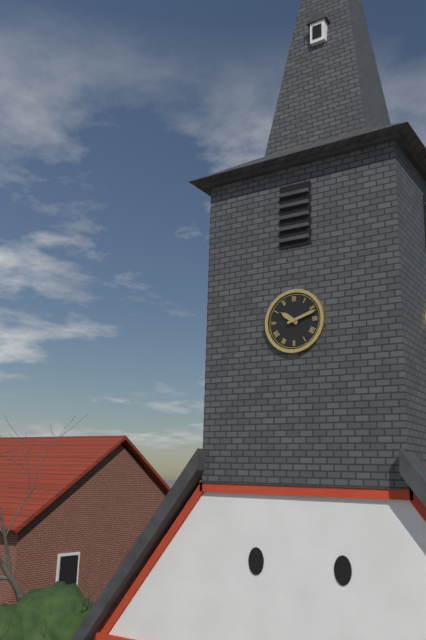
**10:12**
